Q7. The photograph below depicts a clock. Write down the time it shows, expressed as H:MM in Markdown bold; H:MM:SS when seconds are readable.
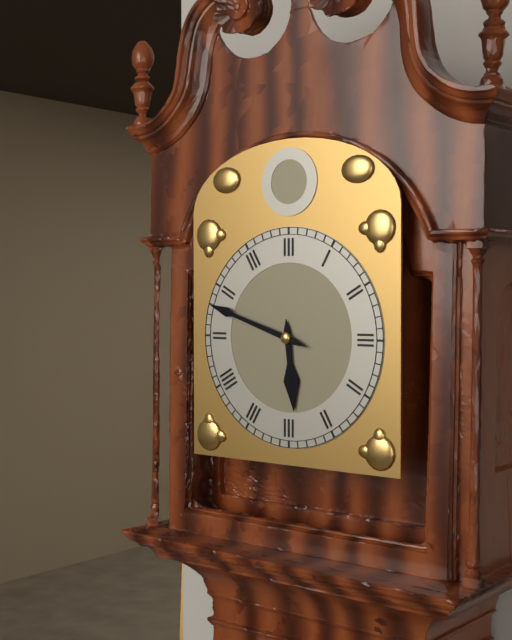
**5:48**
